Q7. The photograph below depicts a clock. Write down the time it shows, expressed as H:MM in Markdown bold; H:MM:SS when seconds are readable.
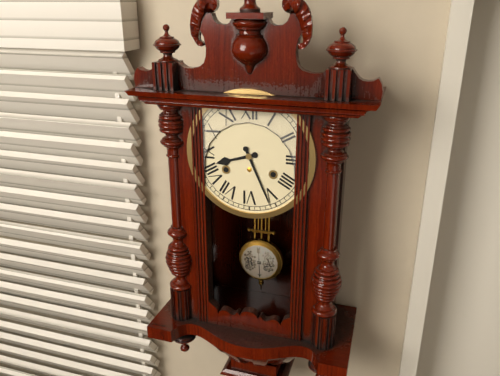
**8:26**
